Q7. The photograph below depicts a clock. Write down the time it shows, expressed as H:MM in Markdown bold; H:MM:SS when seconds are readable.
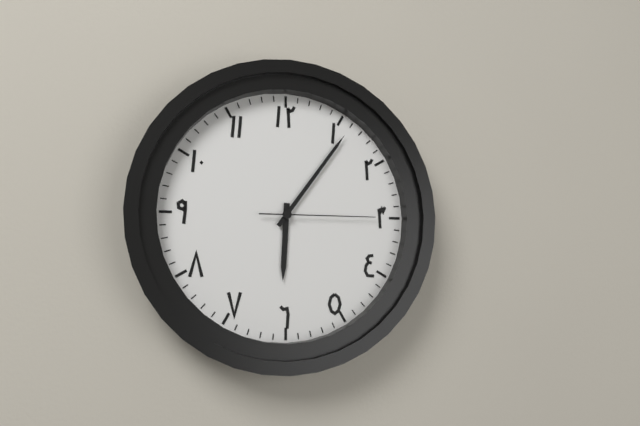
**6:06:15**
